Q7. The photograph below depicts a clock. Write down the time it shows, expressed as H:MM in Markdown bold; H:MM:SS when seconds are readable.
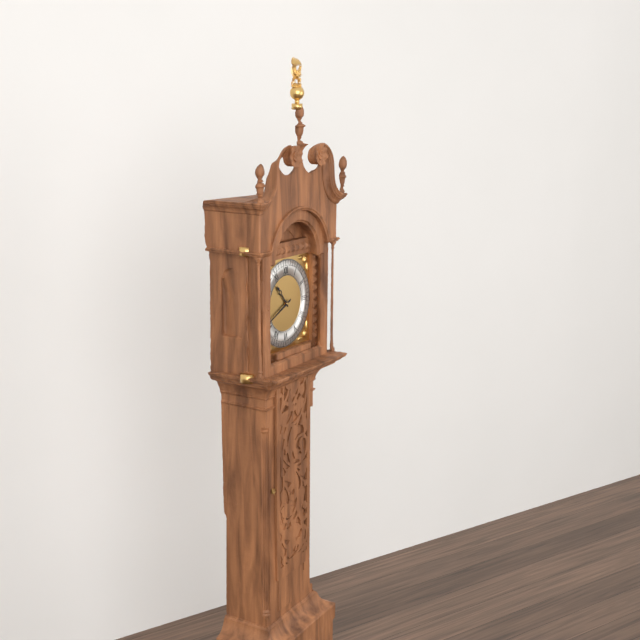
**10:41**
